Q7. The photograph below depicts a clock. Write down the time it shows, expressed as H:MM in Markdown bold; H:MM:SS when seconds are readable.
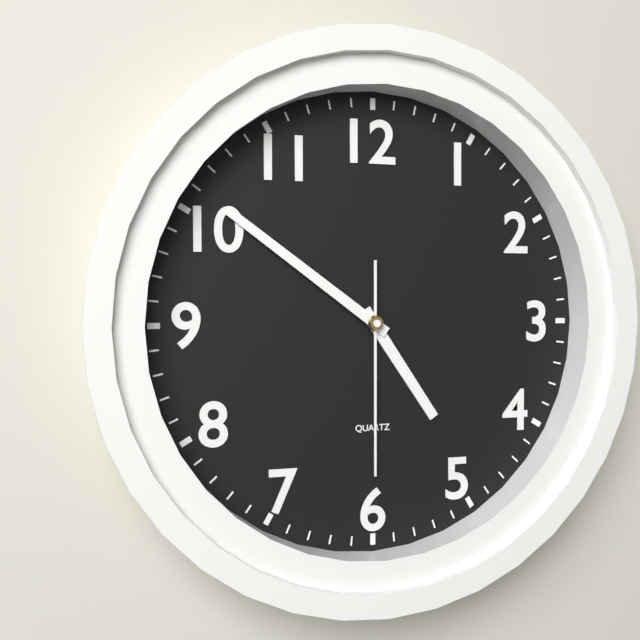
**4:51:30**
